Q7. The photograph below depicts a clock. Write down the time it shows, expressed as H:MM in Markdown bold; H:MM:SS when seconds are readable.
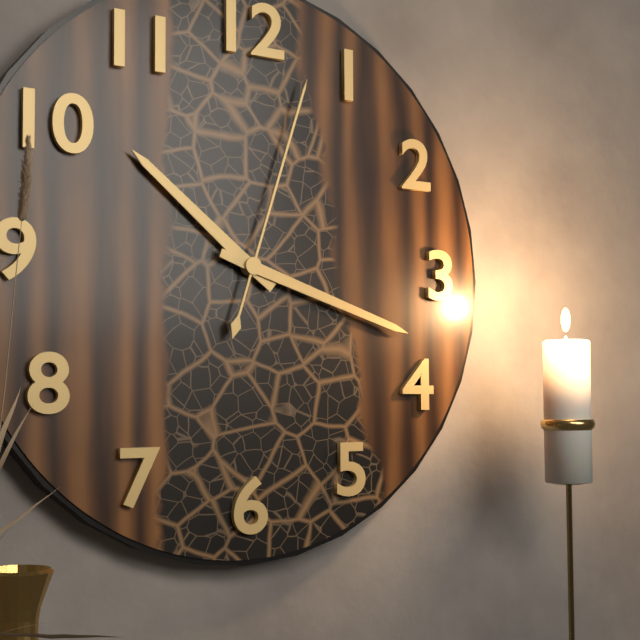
**10:18:03**
